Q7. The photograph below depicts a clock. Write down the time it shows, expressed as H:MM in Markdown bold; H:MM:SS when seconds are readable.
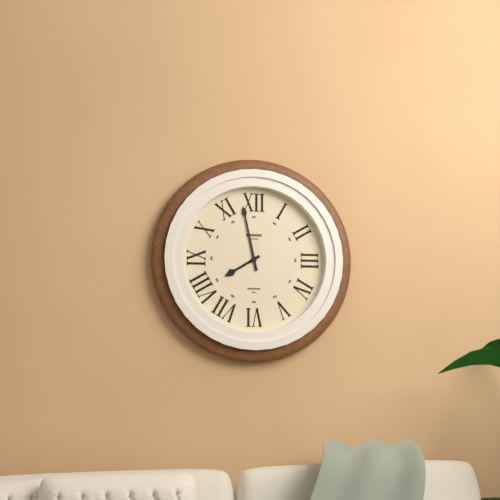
**7:58**
